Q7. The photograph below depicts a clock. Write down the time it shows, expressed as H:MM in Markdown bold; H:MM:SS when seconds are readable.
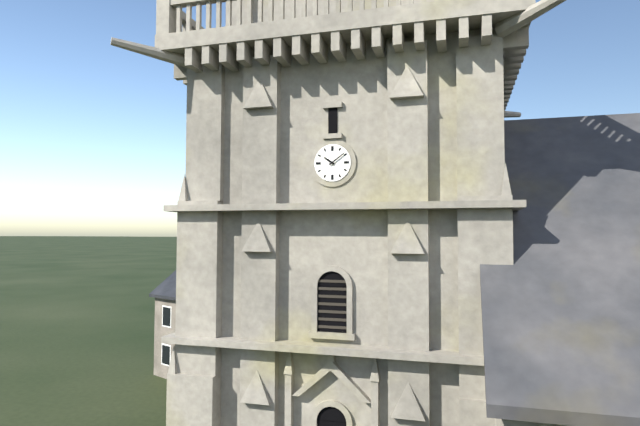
**10:09**
